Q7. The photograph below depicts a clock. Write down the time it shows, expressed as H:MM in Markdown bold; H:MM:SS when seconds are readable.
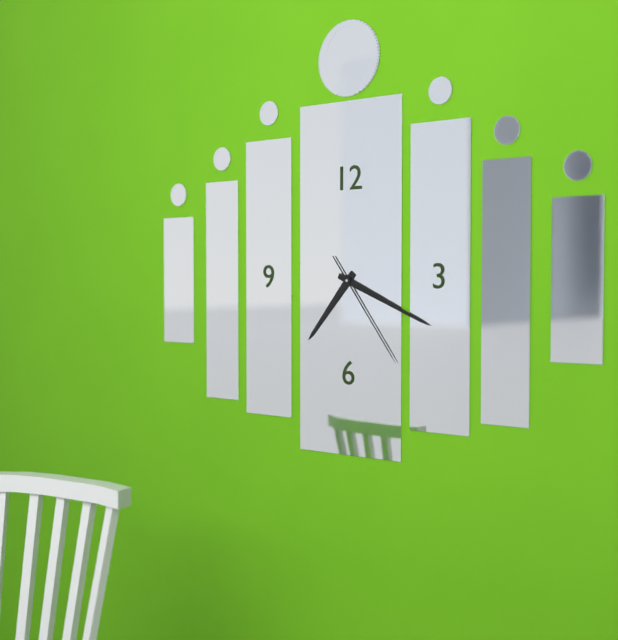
**7:19:24**
